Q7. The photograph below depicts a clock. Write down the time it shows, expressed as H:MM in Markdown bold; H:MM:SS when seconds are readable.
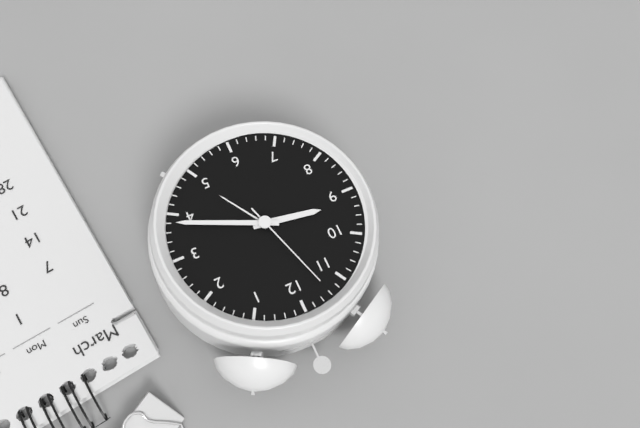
**9:19:57**
